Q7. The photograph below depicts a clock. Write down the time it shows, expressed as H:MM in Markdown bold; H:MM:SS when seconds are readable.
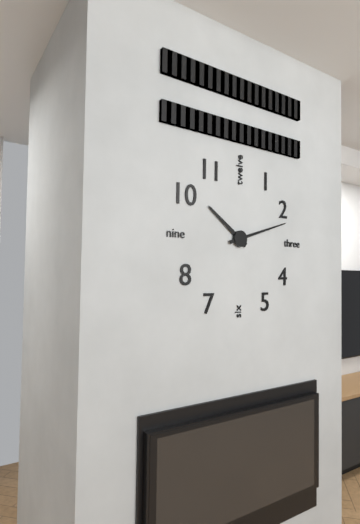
**10:12**
